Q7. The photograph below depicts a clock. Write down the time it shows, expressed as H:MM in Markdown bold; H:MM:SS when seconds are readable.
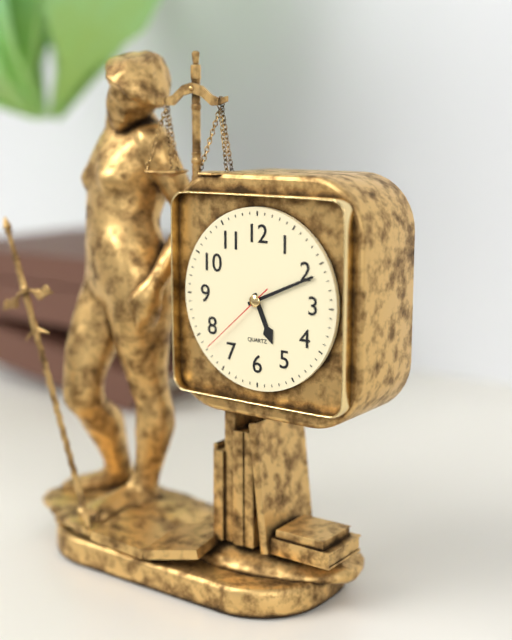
**5:11:38**
